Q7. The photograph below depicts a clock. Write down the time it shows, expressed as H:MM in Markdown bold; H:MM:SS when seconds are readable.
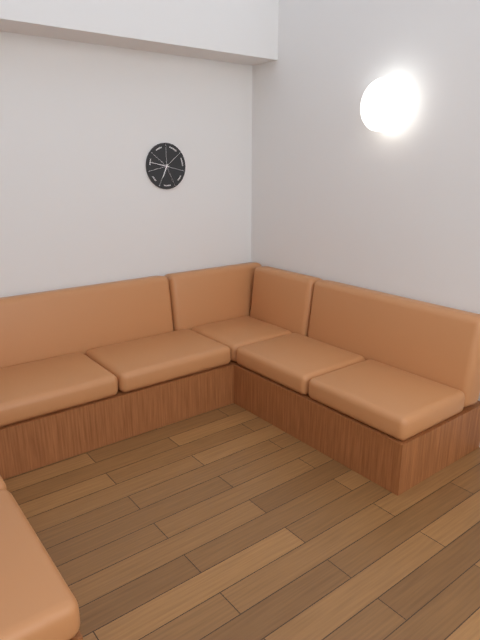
**6:47**
